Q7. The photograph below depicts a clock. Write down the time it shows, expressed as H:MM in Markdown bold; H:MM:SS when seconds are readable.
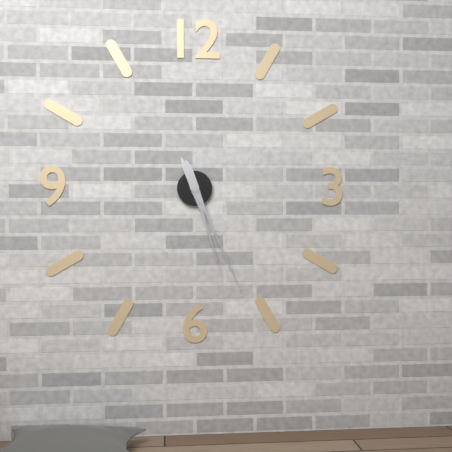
**5:26**
